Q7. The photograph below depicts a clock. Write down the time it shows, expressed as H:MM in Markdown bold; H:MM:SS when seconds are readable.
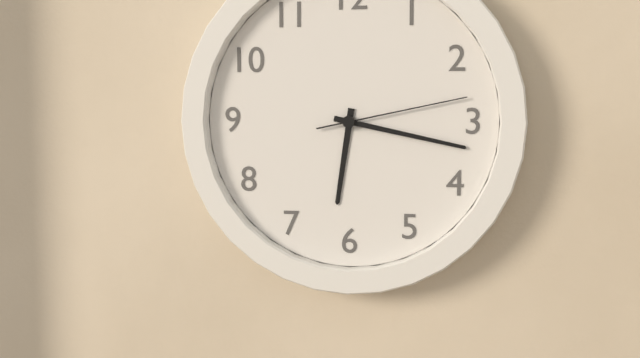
**6:17:13**
